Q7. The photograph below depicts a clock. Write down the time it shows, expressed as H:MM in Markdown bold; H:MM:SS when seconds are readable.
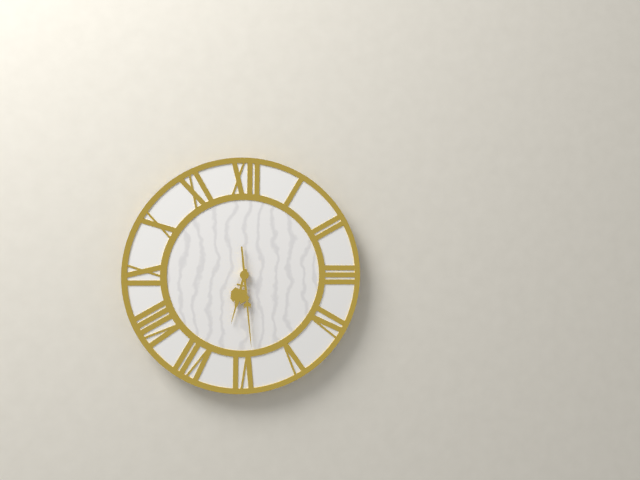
**6:29**
